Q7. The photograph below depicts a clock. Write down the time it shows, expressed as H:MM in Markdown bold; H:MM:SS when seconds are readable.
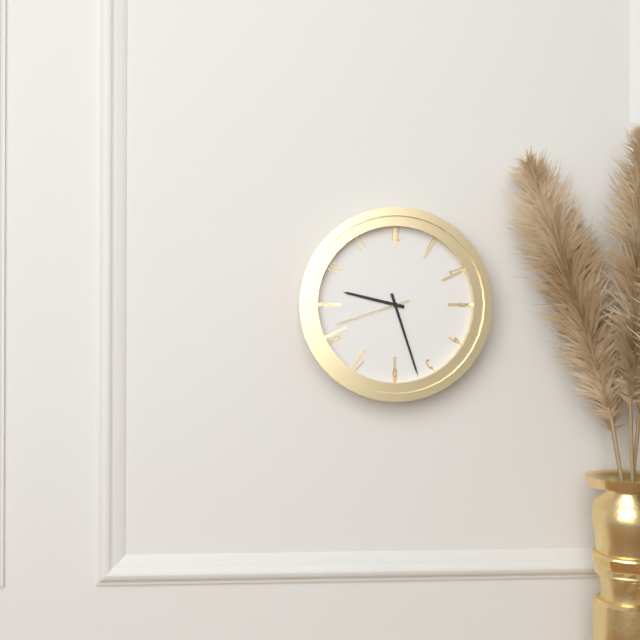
**9:27:42**
